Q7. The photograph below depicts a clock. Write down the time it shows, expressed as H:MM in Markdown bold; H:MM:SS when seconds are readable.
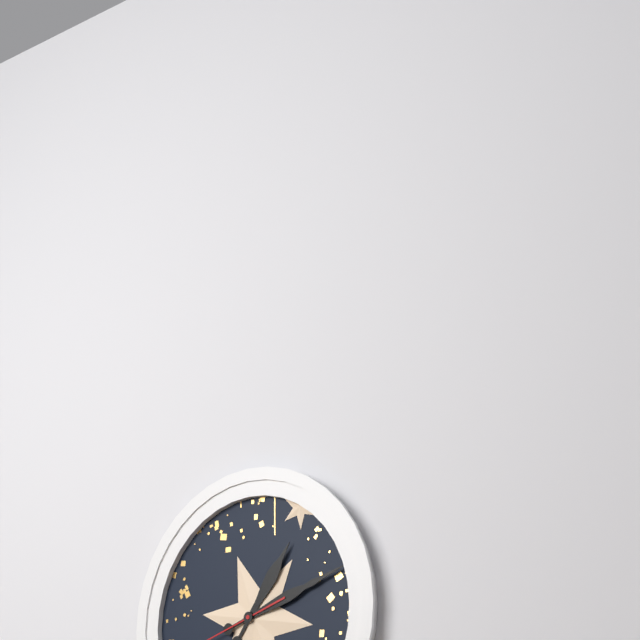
**1:12**
